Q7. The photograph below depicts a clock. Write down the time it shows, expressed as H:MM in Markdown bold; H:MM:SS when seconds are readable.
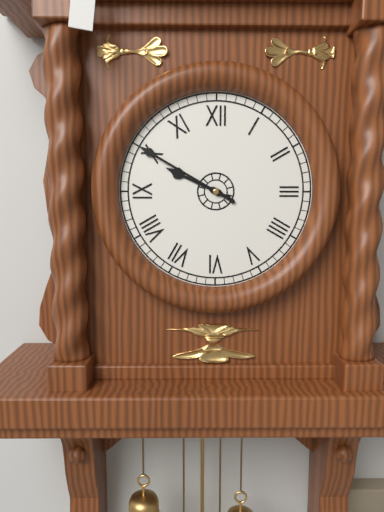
**9:50**
